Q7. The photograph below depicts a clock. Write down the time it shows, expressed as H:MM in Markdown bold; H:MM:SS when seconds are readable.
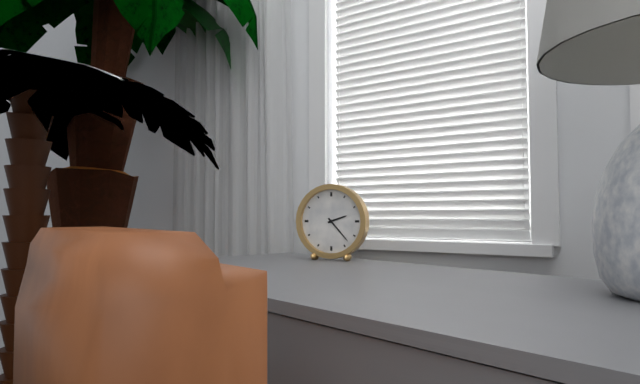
**2:23**
